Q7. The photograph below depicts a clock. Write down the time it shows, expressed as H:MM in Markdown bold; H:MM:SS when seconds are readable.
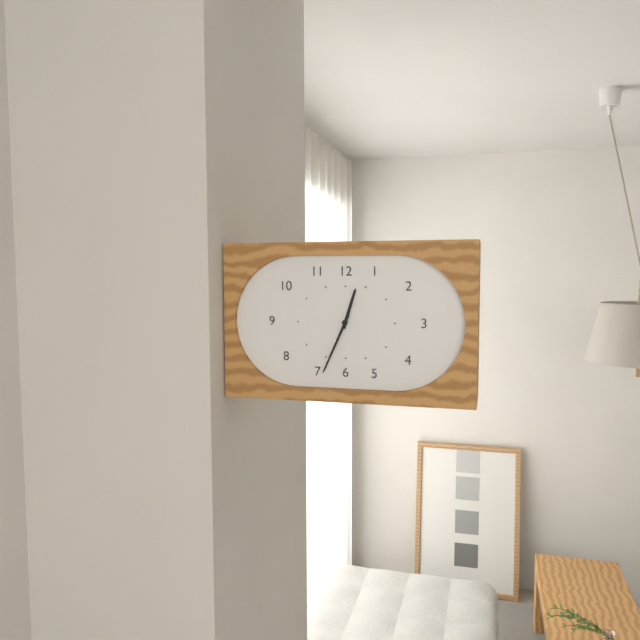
**12:34**
